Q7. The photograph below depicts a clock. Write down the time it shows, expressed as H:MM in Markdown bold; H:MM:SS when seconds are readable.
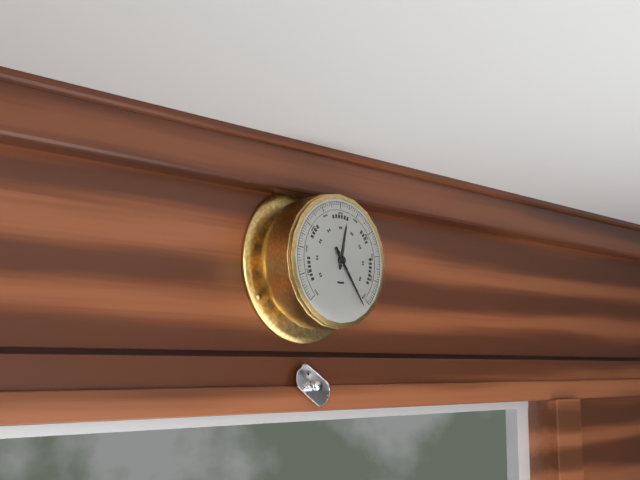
**12:24**
